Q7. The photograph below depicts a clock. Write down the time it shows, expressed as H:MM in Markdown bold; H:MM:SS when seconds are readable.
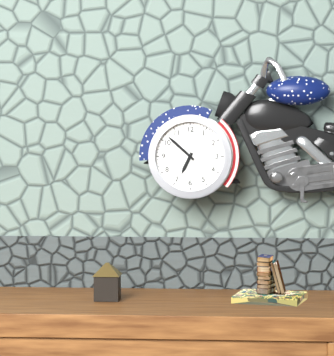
**6:52**
